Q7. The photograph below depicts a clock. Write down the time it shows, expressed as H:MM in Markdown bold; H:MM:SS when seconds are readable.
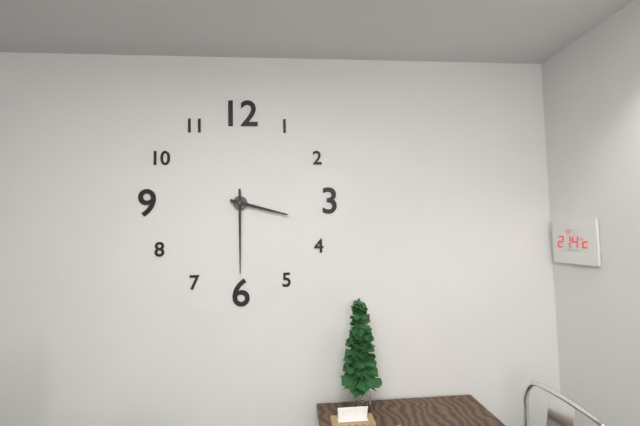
**3:30**
